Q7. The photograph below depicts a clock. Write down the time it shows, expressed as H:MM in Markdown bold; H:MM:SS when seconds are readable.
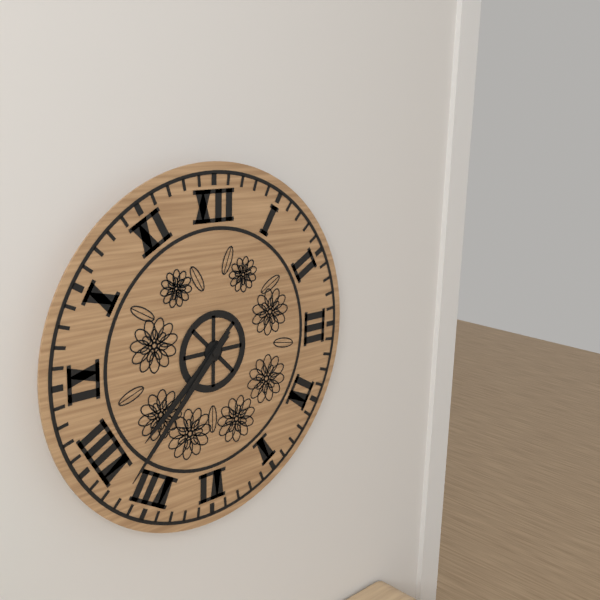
**7:37**
